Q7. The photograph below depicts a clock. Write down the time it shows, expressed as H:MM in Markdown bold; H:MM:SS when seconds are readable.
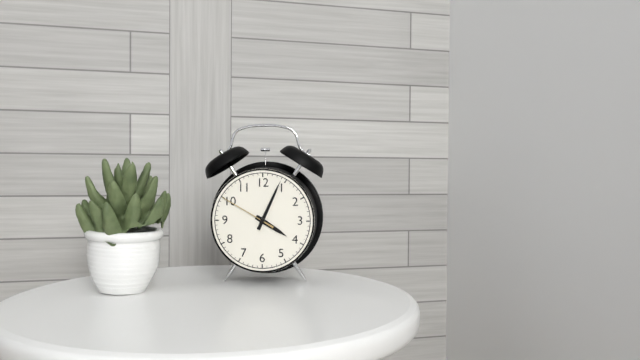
**4:04:50**
